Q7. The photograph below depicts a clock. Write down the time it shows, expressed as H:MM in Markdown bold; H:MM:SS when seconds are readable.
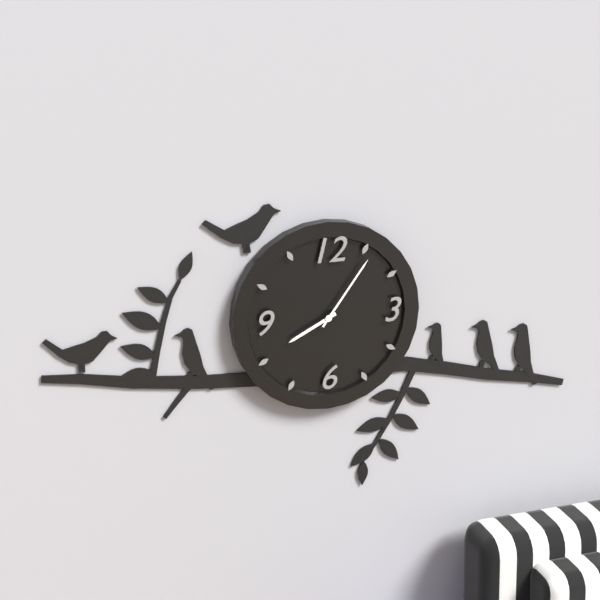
**8:06**
